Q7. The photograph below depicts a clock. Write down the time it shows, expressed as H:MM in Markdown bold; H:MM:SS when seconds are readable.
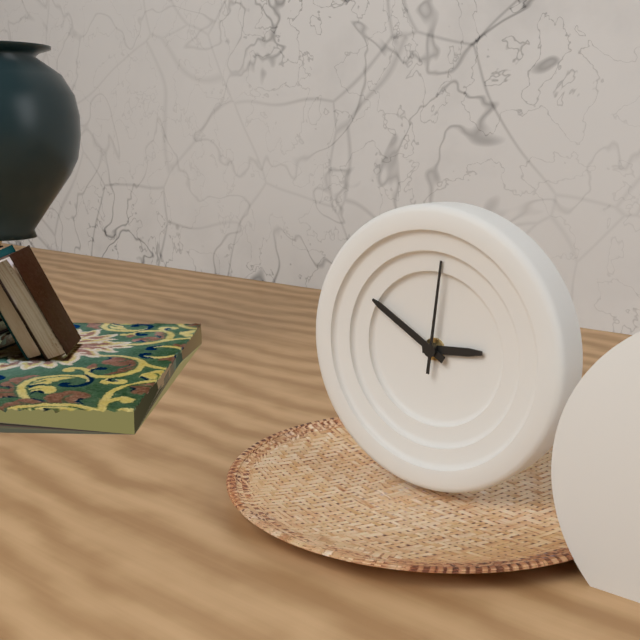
**2:50:01**
